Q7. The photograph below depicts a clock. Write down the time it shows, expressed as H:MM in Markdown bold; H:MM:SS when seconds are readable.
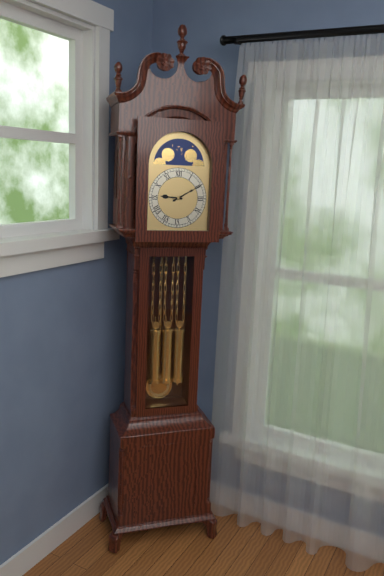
**9:10**
